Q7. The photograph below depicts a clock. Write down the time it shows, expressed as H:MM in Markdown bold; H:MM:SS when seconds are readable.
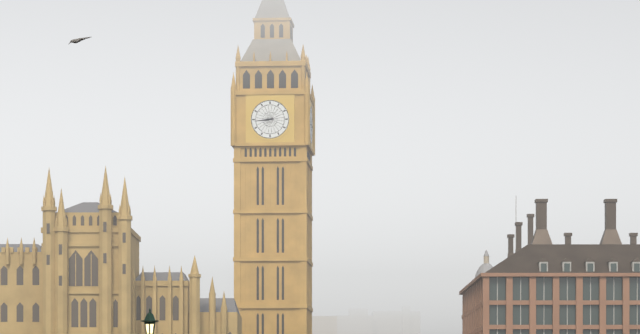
**8:44**
